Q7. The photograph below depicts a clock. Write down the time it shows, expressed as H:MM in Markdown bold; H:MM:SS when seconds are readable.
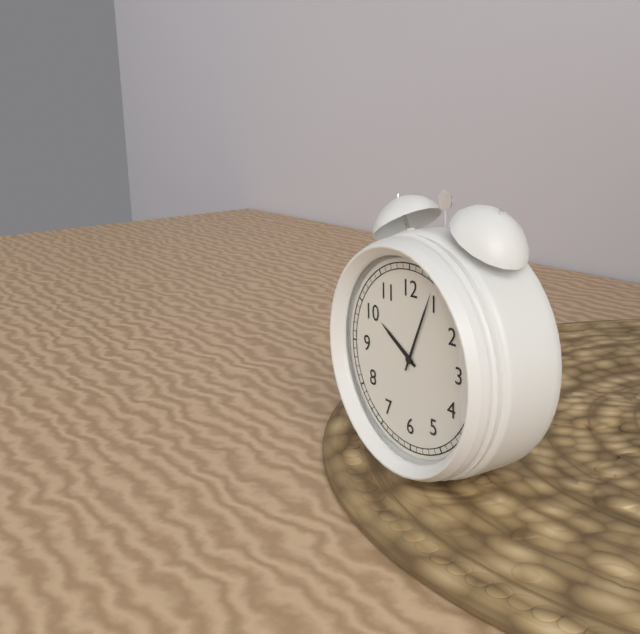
**10:04**
